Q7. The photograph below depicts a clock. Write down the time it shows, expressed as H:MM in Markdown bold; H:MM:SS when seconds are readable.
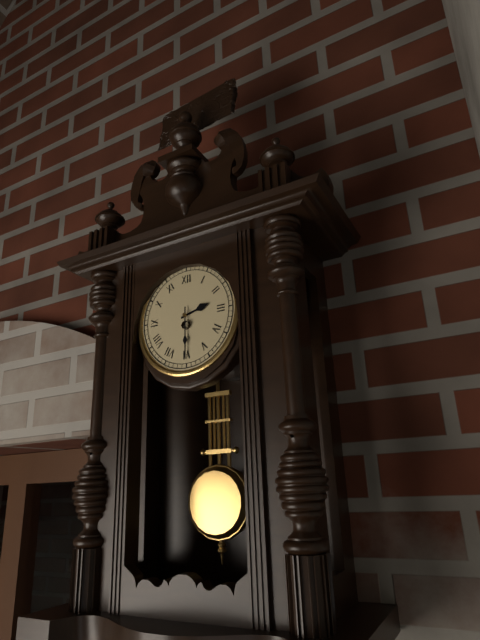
**2:30**
